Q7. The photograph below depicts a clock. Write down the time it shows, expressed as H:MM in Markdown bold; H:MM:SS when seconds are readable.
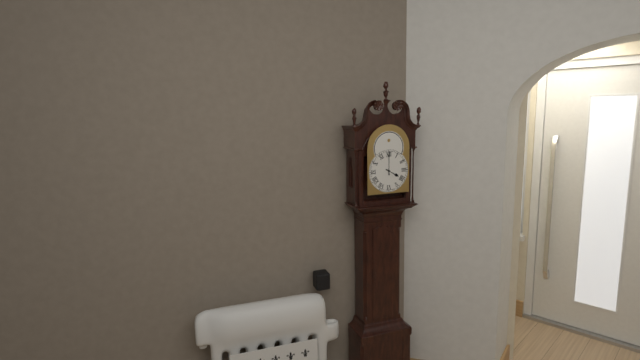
**4:00**
